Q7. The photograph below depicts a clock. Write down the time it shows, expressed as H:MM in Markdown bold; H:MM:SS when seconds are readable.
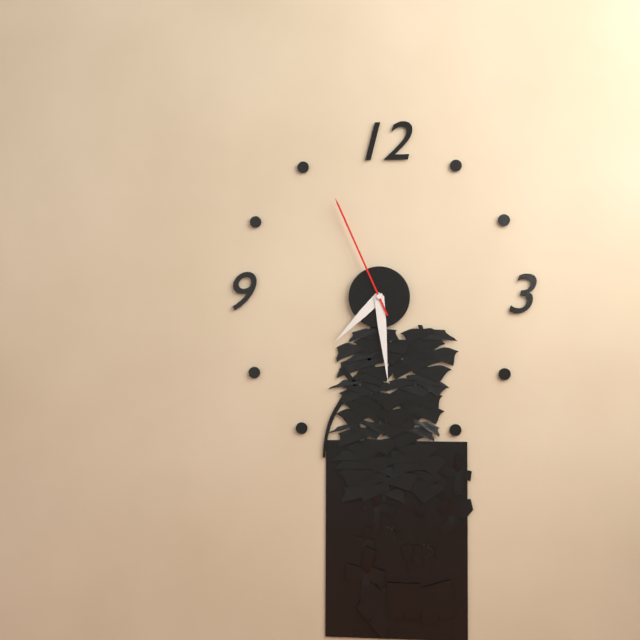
**7:29:56**
